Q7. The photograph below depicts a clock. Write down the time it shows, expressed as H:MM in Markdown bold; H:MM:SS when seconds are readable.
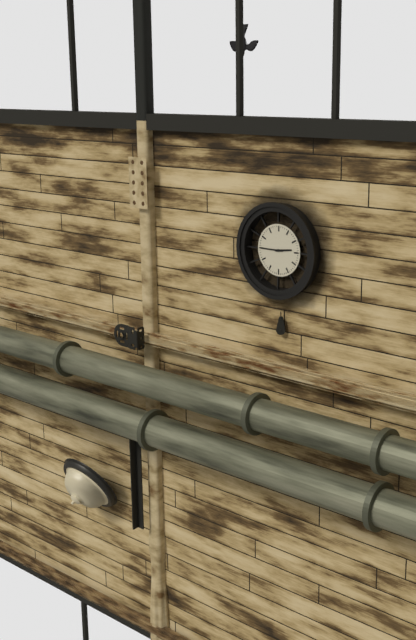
**2:45**
